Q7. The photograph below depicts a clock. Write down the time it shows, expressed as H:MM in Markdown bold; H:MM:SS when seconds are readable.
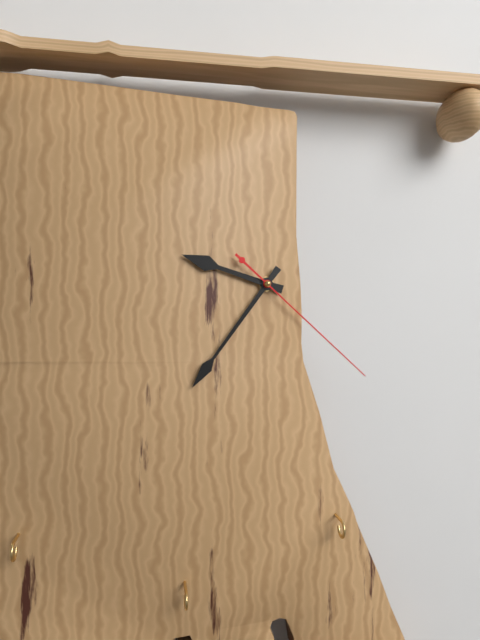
**9:36:22**
